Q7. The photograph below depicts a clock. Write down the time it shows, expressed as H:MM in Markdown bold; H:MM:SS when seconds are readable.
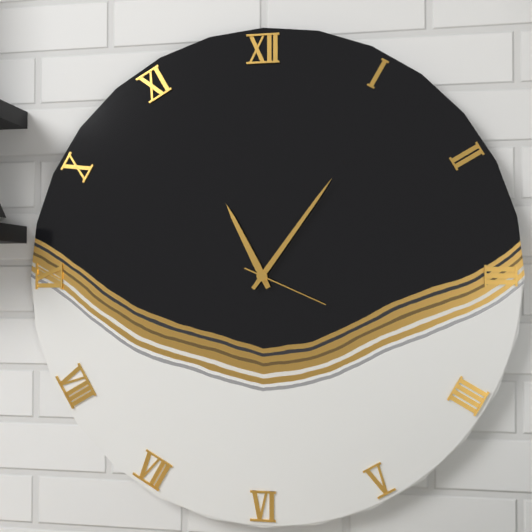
**11:06:19**
